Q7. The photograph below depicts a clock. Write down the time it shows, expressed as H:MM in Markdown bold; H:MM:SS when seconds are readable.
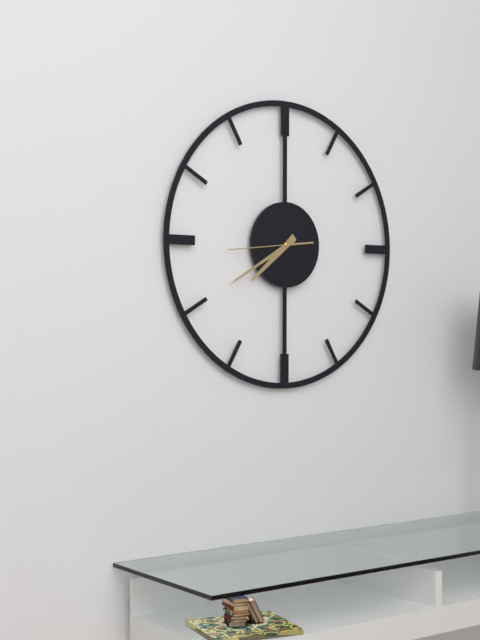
**7:40:44**
